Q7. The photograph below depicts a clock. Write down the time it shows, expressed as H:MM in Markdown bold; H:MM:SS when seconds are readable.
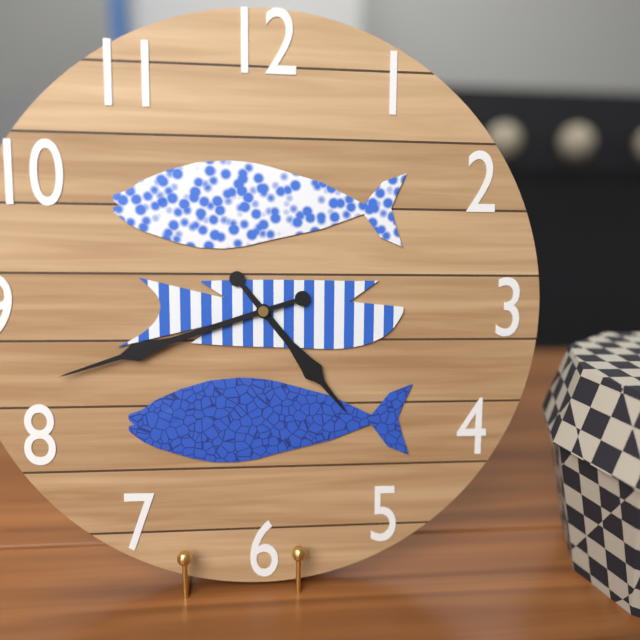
**4:42**
